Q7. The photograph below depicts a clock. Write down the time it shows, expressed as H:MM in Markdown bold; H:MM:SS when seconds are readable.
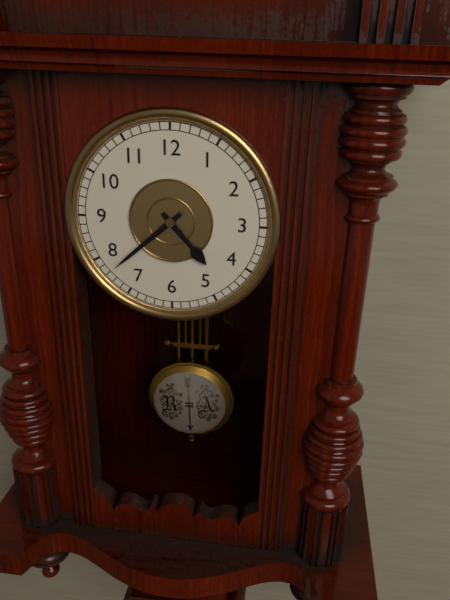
**4:38**
